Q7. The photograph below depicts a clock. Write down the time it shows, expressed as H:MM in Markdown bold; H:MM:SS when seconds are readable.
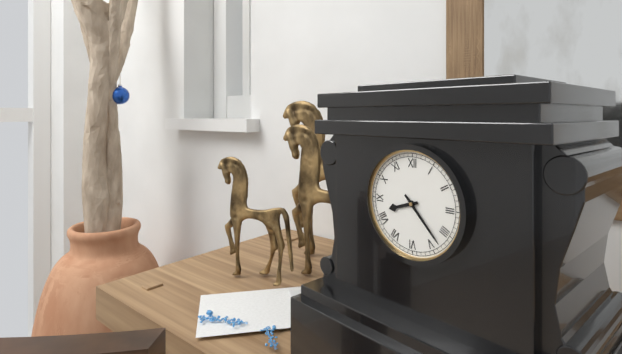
**8:23**
